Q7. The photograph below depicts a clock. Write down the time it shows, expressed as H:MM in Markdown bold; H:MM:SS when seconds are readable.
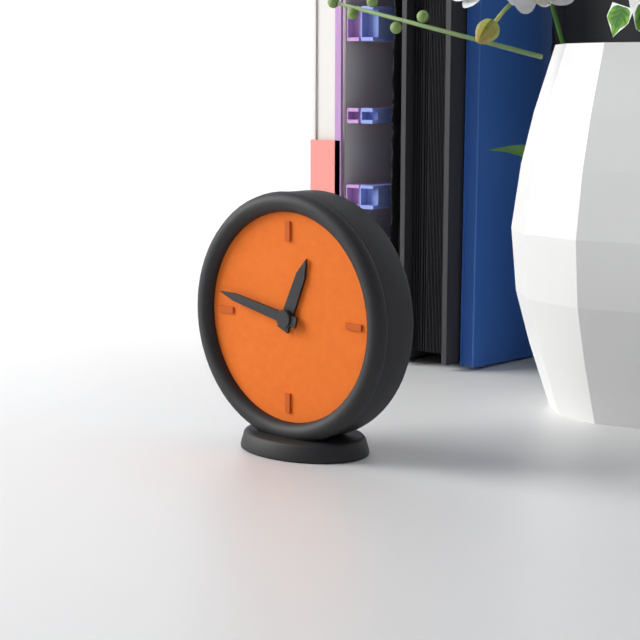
**12:47**
